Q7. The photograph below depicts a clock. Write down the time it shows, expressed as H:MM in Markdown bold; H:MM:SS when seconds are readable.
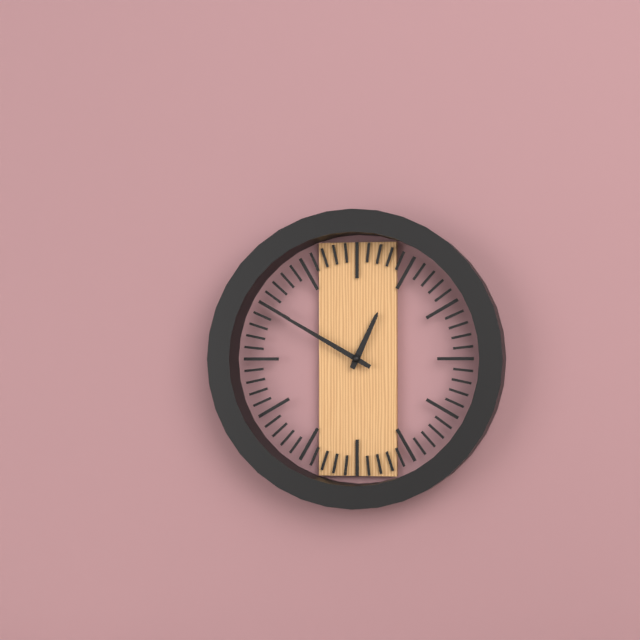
**12:50**
